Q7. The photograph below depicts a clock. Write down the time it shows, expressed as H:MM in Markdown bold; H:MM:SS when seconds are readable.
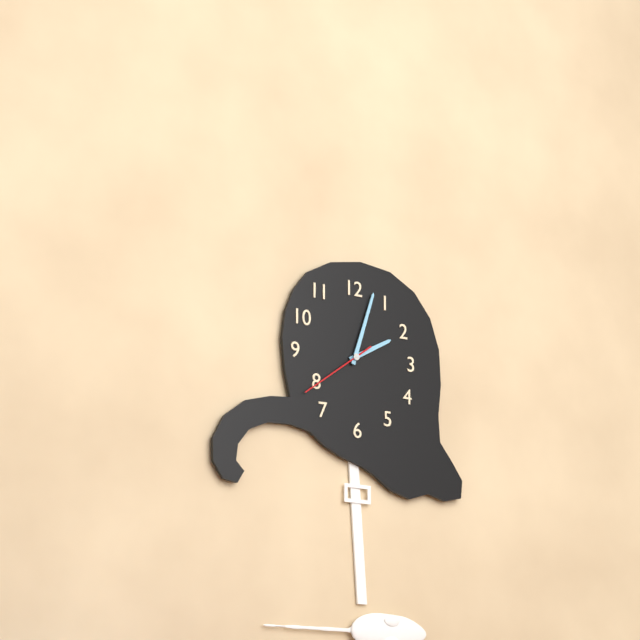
**2:03:39**
